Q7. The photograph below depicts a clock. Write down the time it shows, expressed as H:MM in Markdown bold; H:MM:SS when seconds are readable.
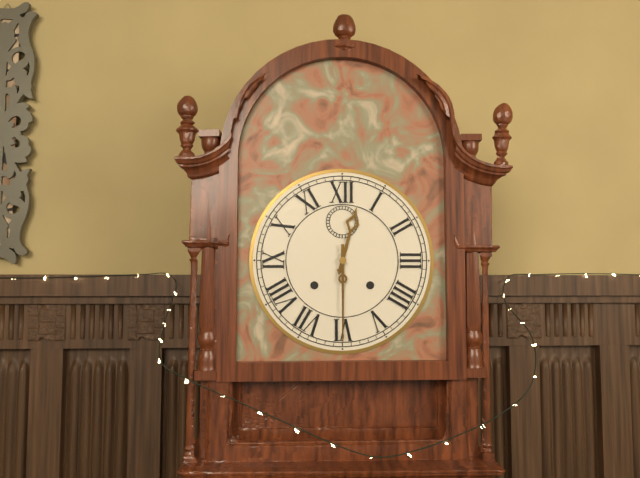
**12:30**
